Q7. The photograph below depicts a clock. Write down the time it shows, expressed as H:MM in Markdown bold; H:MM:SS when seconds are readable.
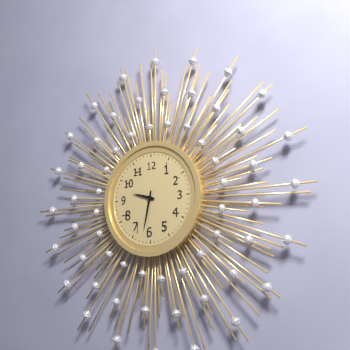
**9:32**
